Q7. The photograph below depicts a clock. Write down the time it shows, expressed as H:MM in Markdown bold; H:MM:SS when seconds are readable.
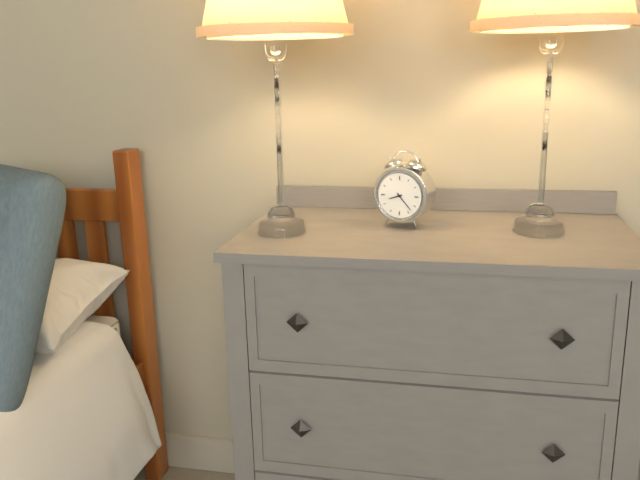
**8:23**
